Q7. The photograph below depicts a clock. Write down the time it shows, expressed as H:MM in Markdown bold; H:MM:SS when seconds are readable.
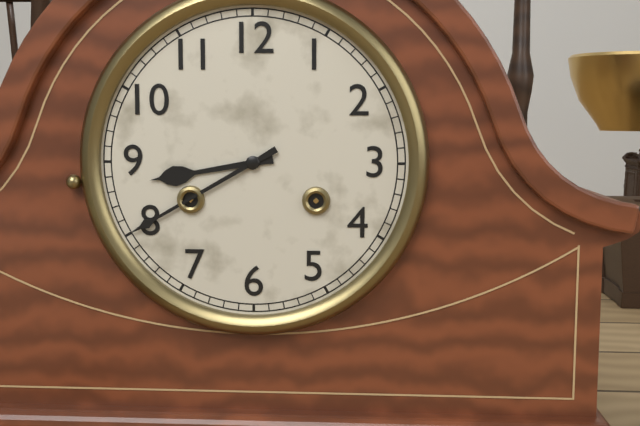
**8:40**
